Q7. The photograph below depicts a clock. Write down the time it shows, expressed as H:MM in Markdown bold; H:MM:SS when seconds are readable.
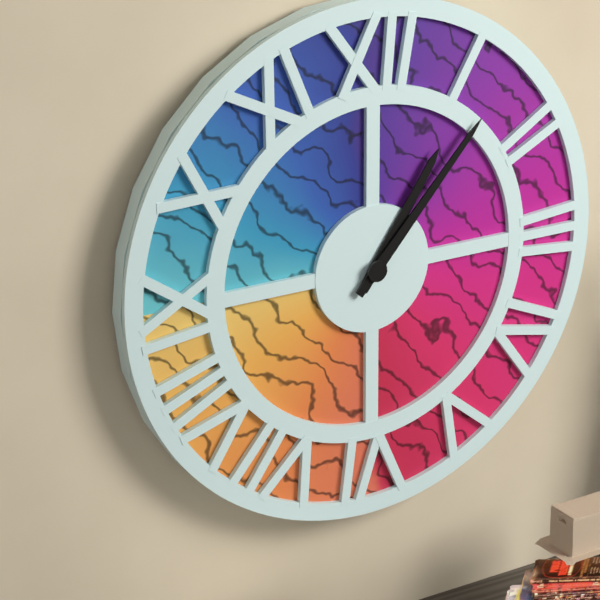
**1:07**
